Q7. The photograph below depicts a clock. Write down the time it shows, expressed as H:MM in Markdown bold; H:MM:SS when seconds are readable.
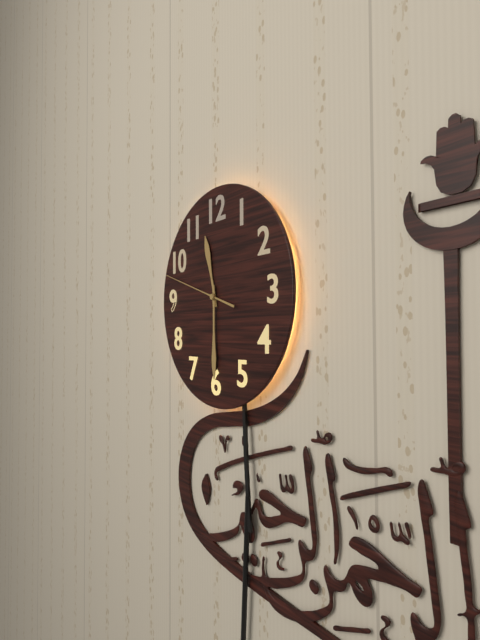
**11:30:48**
